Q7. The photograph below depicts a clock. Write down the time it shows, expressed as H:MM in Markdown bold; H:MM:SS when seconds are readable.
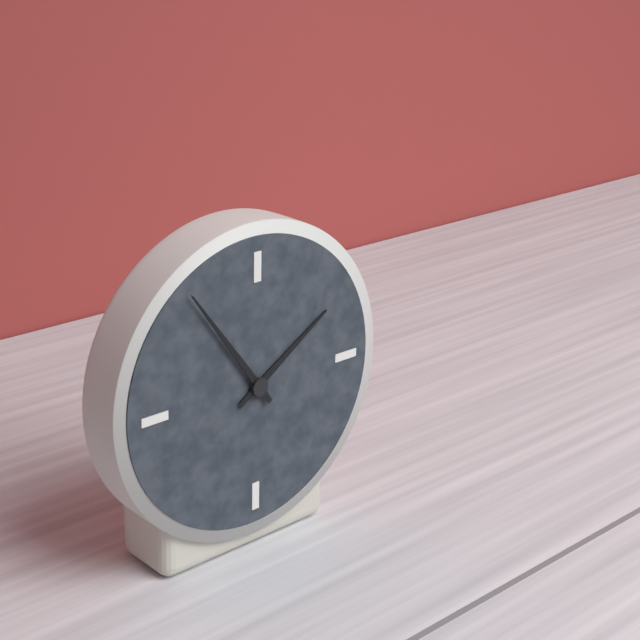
**1:54**
